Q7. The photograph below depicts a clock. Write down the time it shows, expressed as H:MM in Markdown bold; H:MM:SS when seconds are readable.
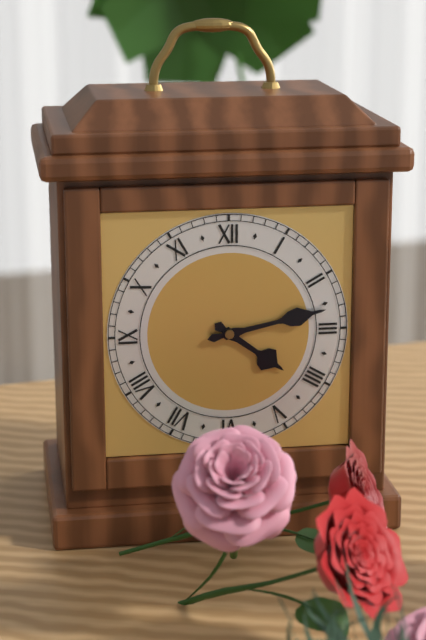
**4:13**
